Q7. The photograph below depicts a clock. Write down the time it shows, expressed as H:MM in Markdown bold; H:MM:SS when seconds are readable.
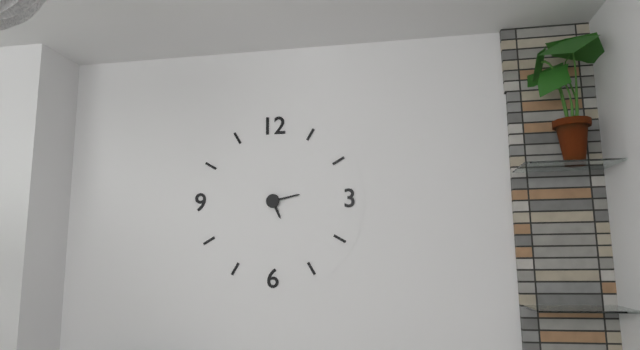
**5:13**
